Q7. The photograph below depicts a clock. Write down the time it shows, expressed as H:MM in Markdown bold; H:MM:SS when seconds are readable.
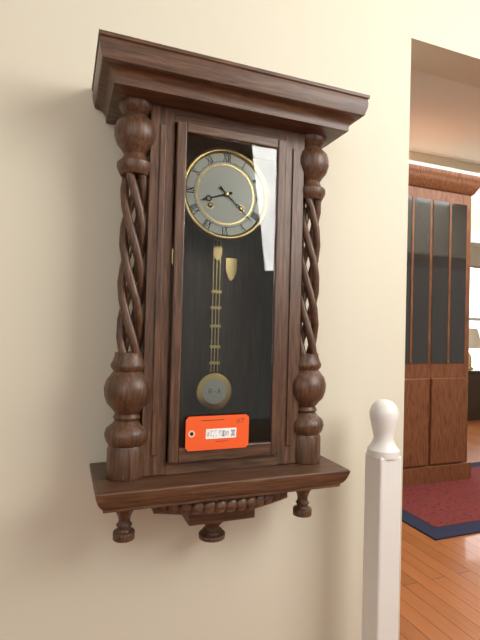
**8:22**
